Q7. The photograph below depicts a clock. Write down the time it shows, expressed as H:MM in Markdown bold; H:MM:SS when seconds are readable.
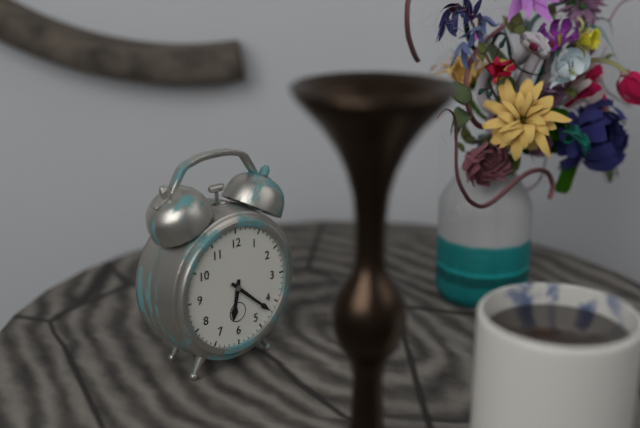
**6:22**
